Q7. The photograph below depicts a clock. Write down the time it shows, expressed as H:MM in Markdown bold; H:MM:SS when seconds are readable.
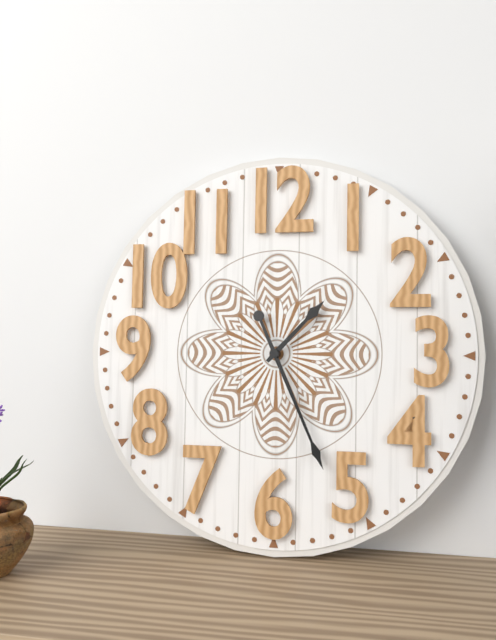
**1:26**
